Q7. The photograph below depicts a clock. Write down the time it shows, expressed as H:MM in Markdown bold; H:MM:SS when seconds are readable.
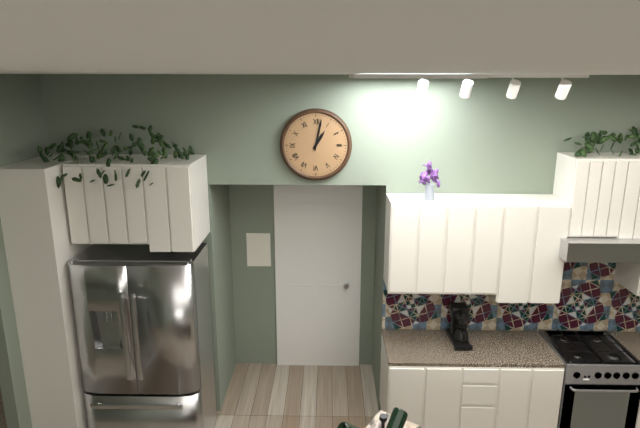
**1:02**
